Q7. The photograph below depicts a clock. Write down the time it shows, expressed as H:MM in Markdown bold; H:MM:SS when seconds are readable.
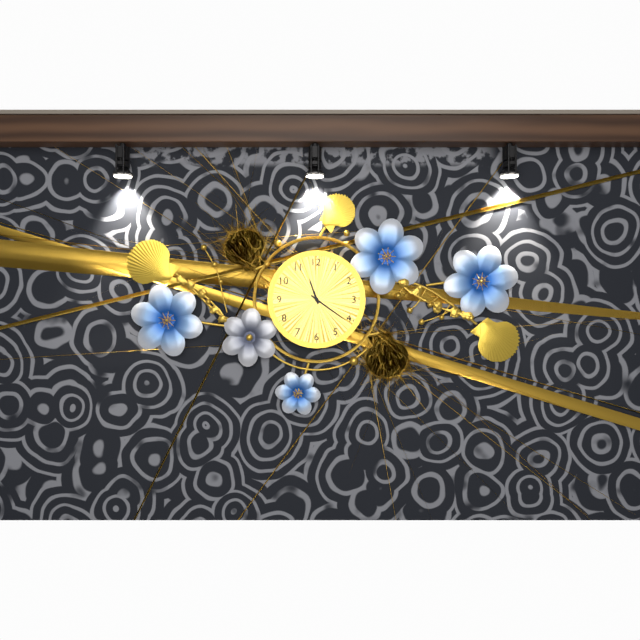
**11:21**
